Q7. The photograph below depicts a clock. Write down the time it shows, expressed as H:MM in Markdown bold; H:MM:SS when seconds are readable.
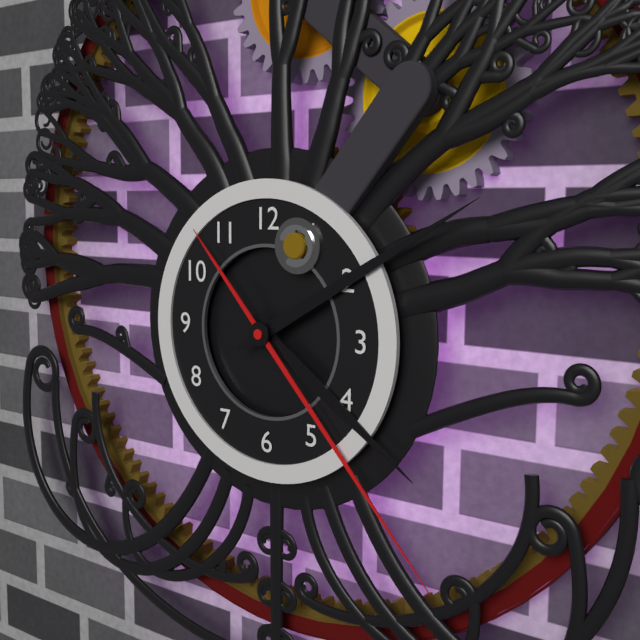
**4:10:23**
